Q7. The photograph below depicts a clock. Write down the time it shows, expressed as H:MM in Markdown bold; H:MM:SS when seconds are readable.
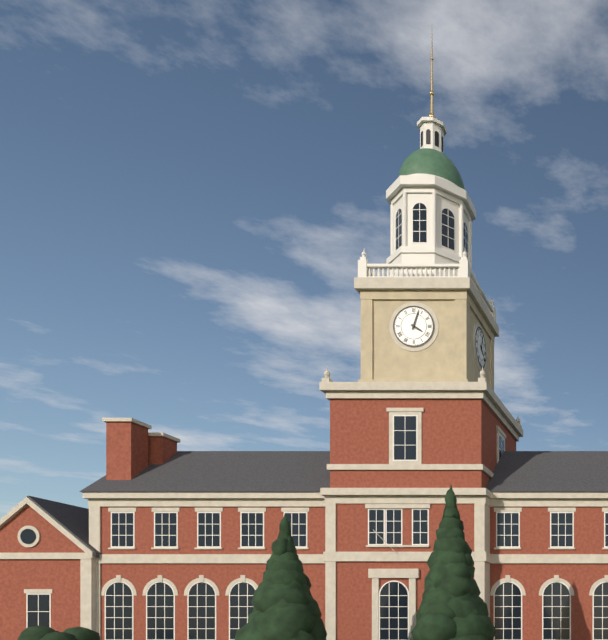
**4:03**
